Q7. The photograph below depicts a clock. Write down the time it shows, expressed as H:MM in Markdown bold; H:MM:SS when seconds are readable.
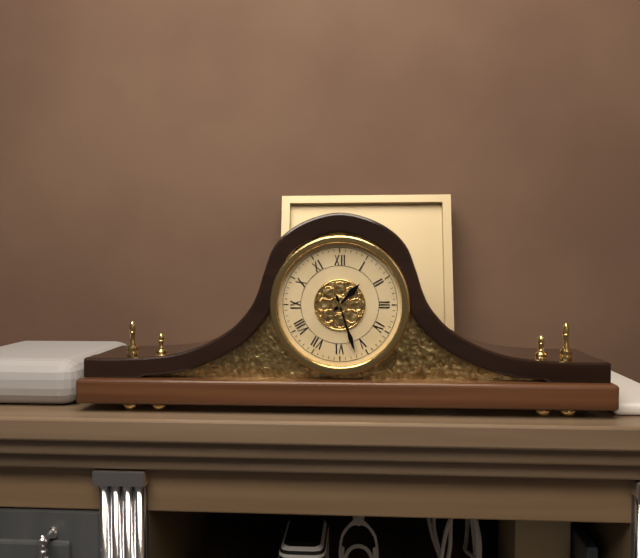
**1:27**
